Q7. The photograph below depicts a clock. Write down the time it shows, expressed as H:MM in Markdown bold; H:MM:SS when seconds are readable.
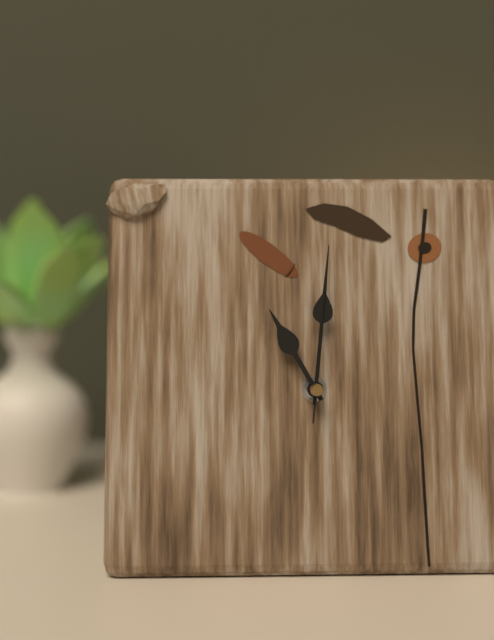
**11:01:01**
